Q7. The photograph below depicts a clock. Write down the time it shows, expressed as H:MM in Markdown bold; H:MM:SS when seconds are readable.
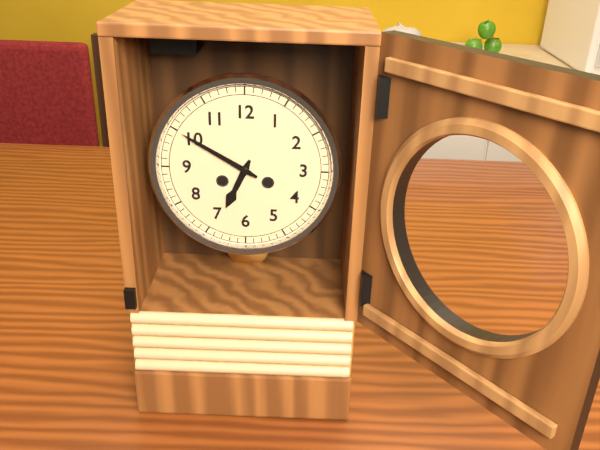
**6:50**
